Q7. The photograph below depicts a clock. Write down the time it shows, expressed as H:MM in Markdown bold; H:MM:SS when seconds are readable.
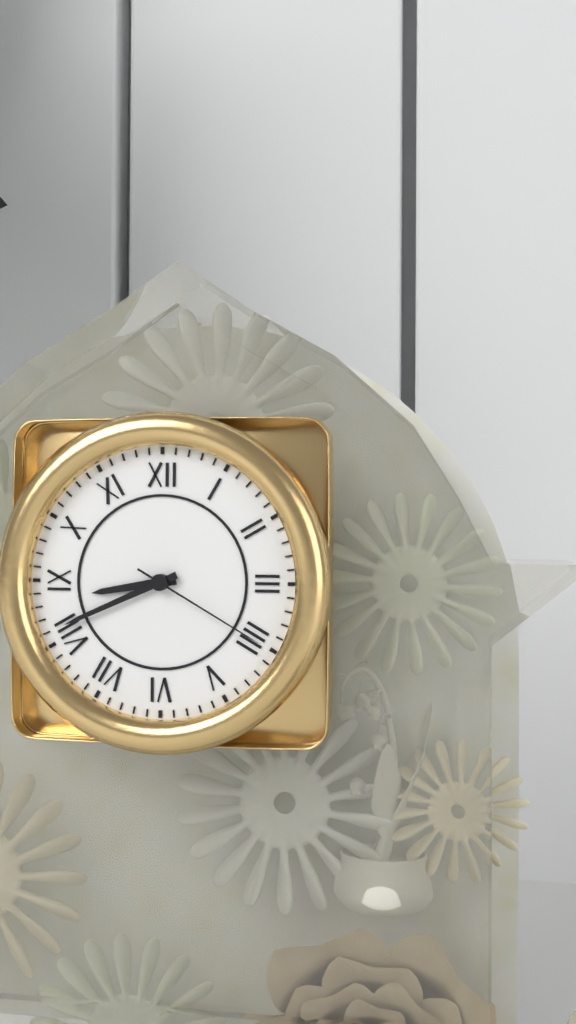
**8:41:20**
